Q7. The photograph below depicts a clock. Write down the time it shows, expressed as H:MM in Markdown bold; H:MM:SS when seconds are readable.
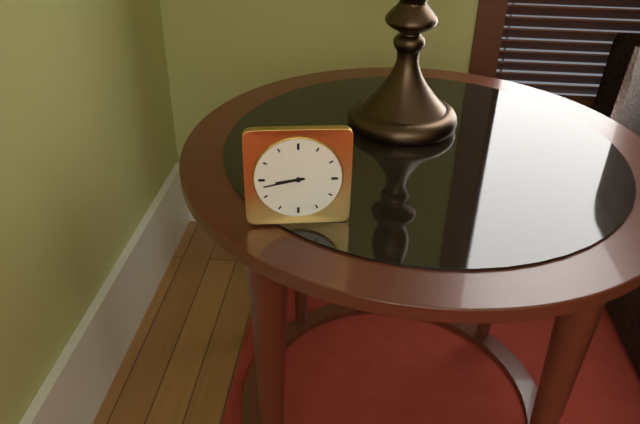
**8:43**
